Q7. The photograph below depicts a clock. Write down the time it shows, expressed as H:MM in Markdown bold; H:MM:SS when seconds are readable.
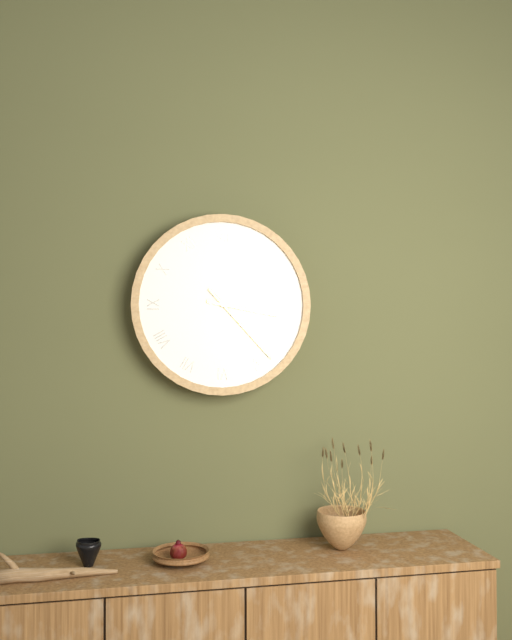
**3:23**
